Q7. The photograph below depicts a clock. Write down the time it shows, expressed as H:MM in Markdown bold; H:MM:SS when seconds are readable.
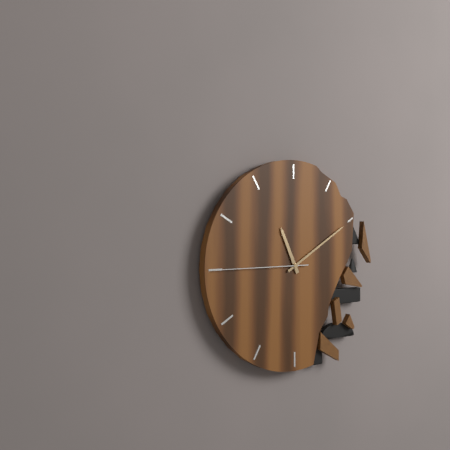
**11:10:45**
